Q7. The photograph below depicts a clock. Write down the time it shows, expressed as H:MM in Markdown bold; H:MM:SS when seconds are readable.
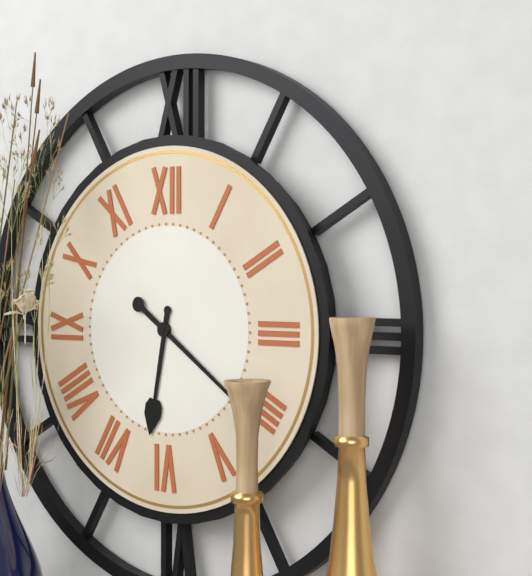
**6:21**
